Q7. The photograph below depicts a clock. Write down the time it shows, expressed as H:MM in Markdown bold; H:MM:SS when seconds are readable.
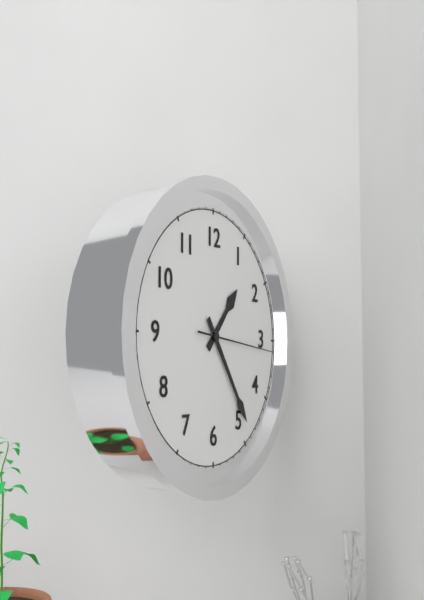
**1:24:16**
